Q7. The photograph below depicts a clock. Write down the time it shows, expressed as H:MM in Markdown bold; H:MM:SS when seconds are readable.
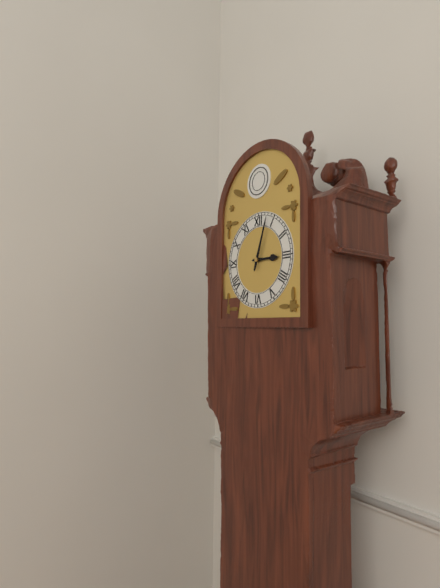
**3:03**
